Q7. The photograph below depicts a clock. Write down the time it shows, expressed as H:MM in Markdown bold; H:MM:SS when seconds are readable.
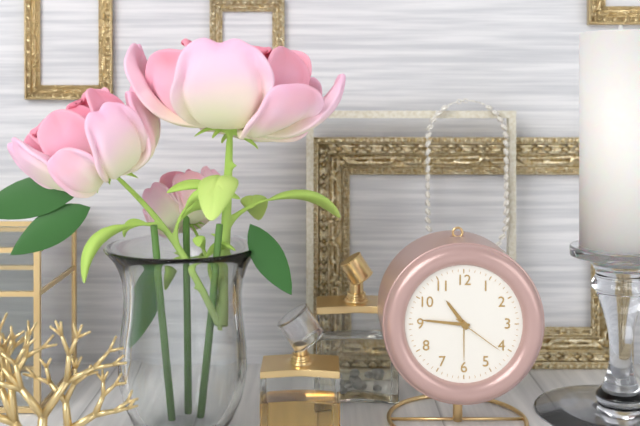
**10:46:21**
